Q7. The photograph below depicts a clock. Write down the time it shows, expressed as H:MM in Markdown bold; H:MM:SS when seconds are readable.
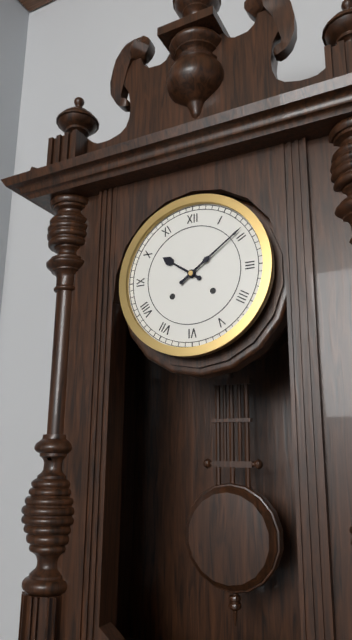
**10:09**
